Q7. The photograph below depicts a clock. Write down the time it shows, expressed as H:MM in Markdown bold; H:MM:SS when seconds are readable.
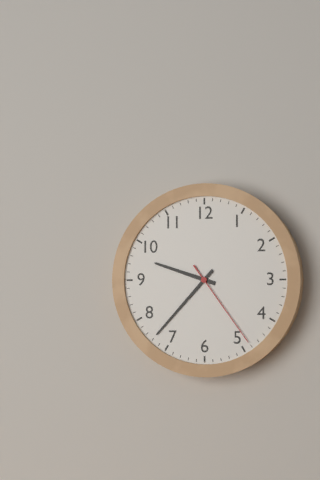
**9:37:24**
